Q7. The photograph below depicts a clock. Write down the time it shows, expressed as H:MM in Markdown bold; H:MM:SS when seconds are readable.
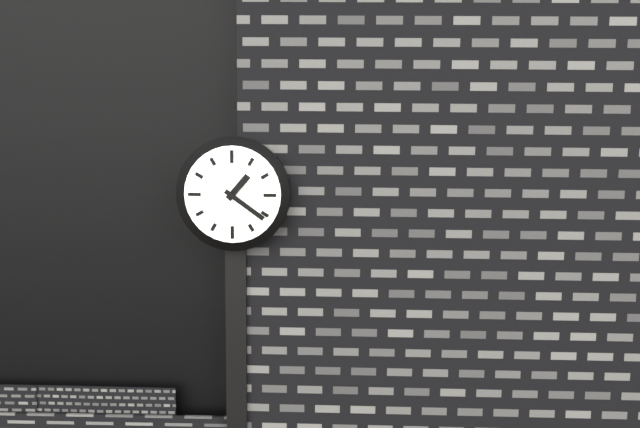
**1:21**
